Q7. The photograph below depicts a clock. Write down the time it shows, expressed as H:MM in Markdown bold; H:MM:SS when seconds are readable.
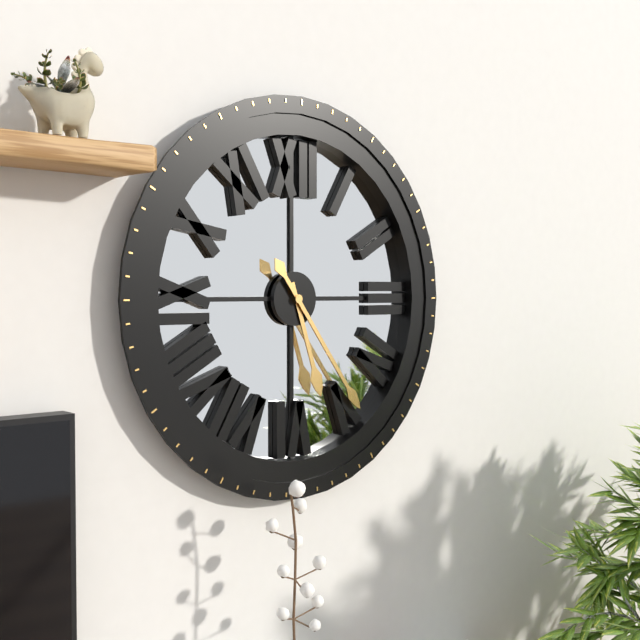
**5:24**
